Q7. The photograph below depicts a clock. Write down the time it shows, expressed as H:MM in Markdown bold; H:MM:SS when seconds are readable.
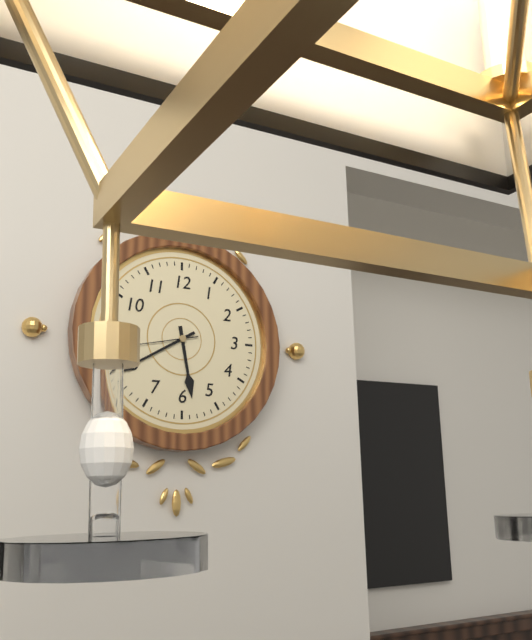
**5:40**
